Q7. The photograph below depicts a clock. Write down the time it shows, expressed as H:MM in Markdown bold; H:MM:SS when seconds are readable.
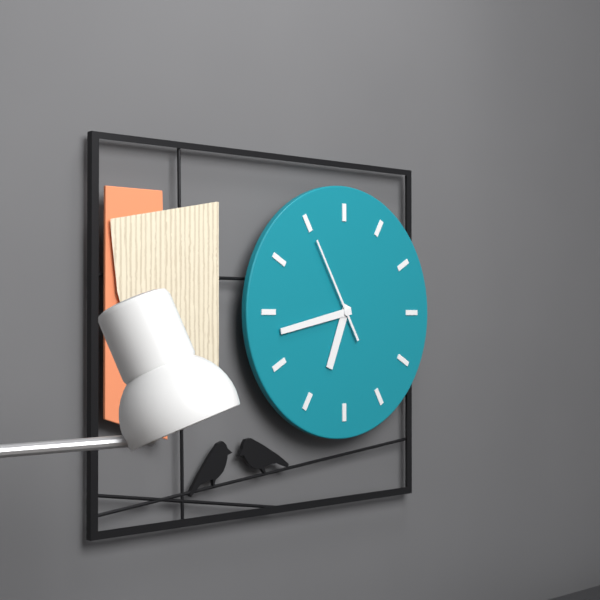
**6:43:55**
